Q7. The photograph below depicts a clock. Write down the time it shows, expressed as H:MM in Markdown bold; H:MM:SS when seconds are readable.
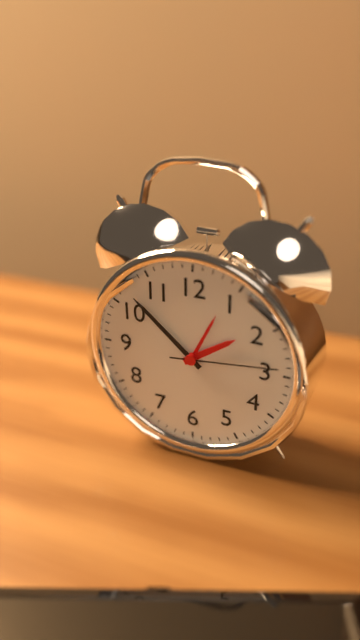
**1:52:14**
